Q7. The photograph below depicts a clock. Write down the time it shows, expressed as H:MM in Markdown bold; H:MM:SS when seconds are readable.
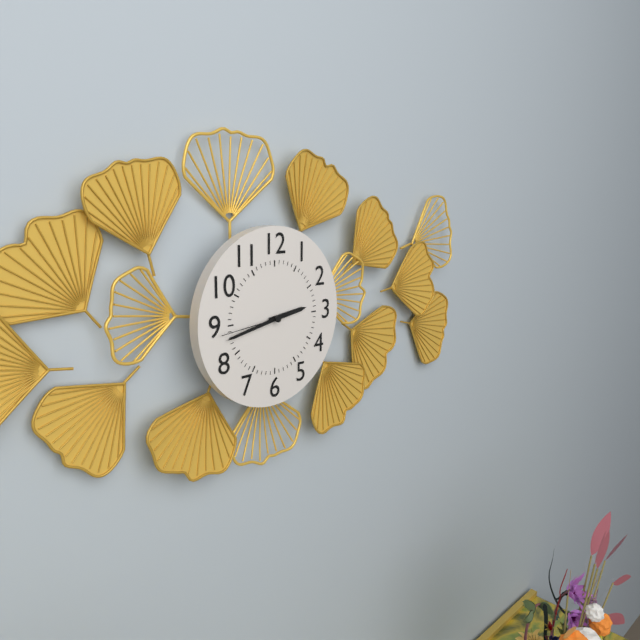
**2:43:44**
